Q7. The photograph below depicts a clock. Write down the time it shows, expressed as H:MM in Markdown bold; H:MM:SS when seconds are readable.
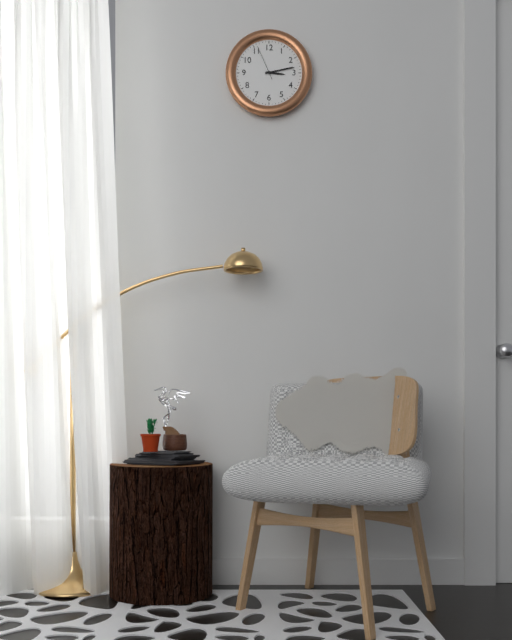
**3:13**
